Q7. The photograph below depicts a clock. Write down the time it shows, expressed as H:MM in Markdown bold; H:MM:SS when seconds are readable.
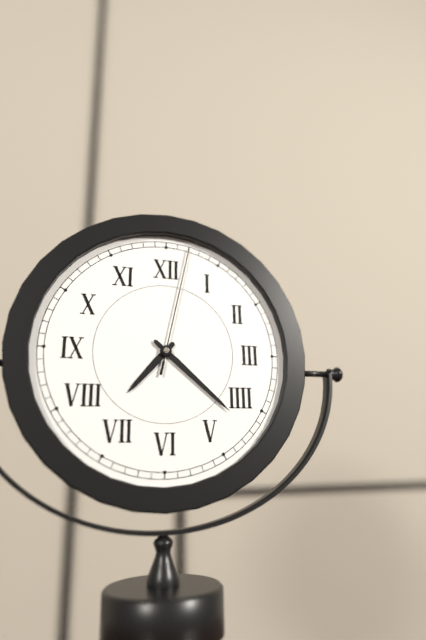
**7:22:02**
